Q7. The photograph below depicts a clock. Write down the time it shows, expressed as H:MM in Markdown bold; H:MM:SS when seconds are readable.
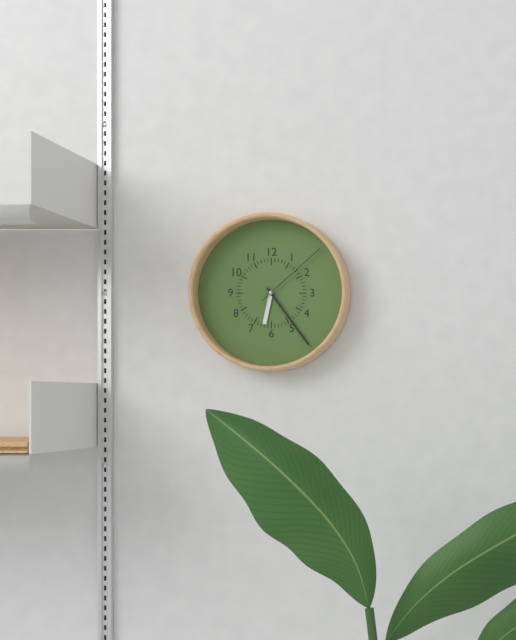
**6:24:08**
